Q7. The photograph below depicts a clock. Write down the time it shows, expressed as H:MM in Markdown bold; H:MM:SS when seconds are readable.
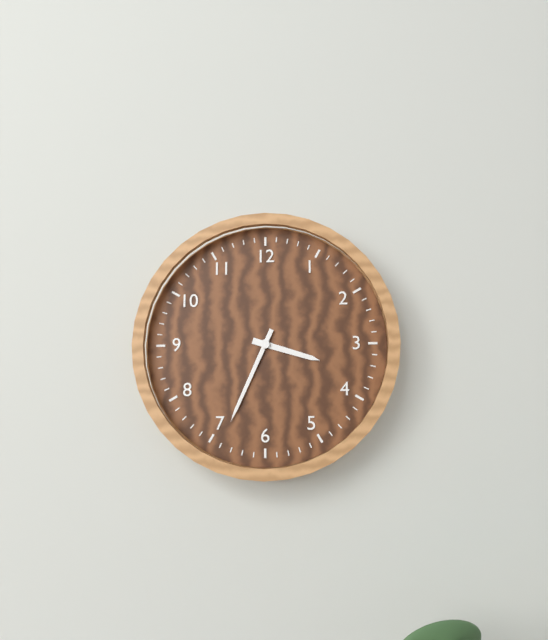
**3:34**
